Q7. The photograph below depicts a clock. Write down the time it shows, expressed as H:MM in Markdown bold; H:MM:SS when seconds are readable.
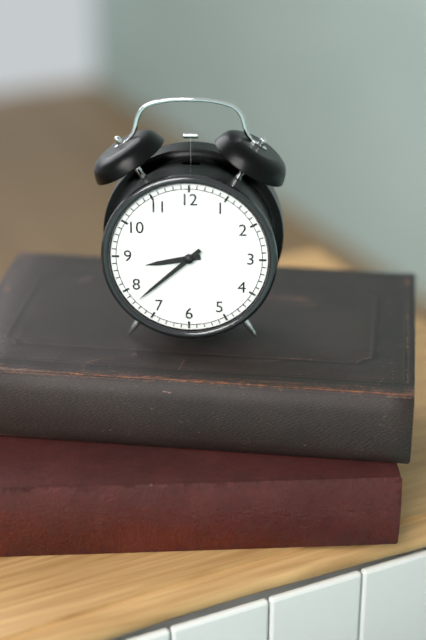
**8:38**
